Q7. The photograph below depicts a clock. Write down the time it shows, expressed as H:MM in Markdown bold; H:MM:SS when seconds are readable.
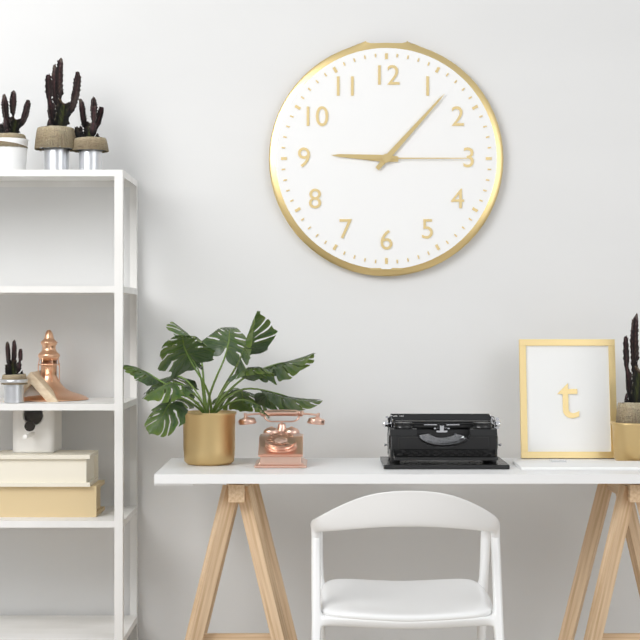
**9:07:15**
